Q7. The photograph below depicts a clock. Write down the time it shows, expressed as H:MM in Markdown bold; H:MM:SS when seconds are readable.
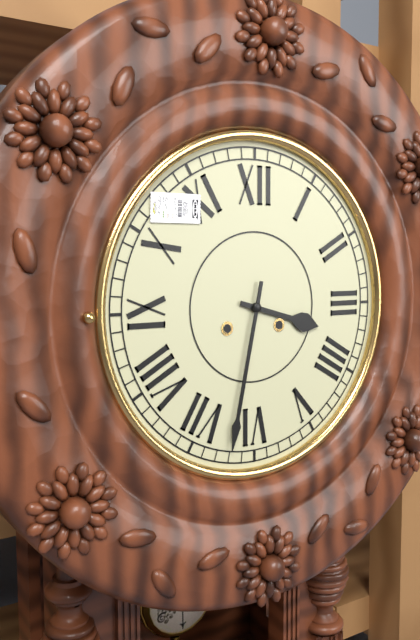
**3:32**
